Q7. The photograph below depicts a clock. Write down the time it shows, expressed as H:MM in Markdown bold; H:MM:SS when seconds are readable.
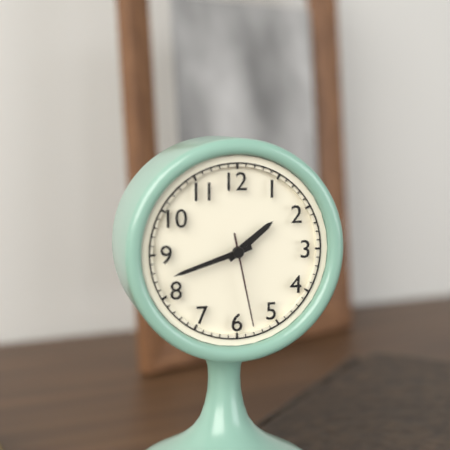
**1:42:28**
